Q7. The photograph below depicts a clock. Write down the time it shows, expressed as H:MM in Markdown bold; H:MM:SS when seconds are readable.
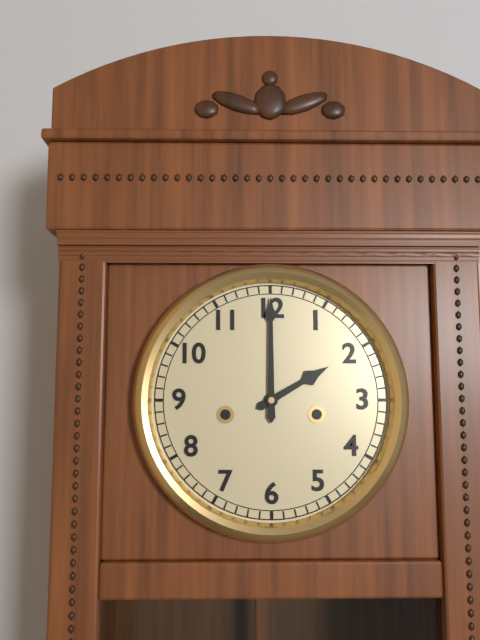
**2:00**
